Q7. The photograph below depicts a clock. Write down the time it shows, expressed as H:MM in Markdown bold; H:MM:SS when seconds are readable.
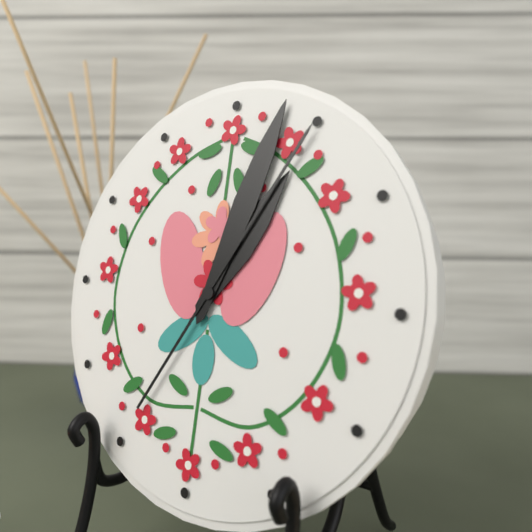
**1:03:05**
